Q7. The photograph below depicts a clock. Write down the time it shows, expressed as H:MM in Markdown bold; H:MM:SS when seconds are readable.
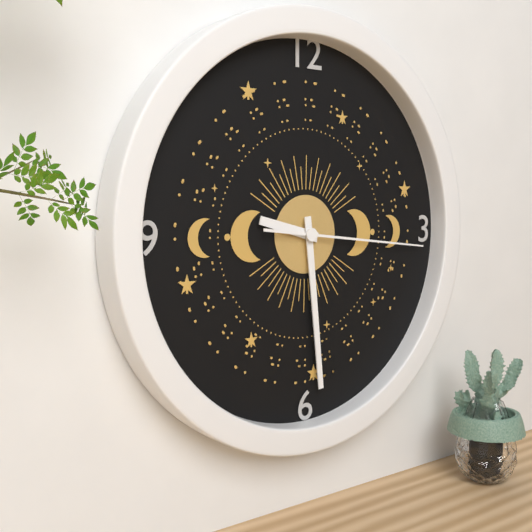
**9:29:16**
